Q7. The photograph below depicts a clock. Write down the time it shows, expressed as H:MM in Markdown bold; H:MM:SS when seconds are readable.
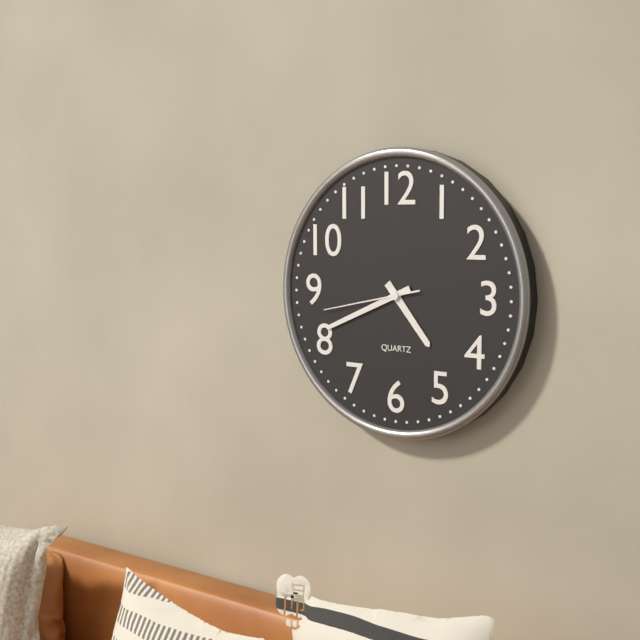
**4:41:43**
